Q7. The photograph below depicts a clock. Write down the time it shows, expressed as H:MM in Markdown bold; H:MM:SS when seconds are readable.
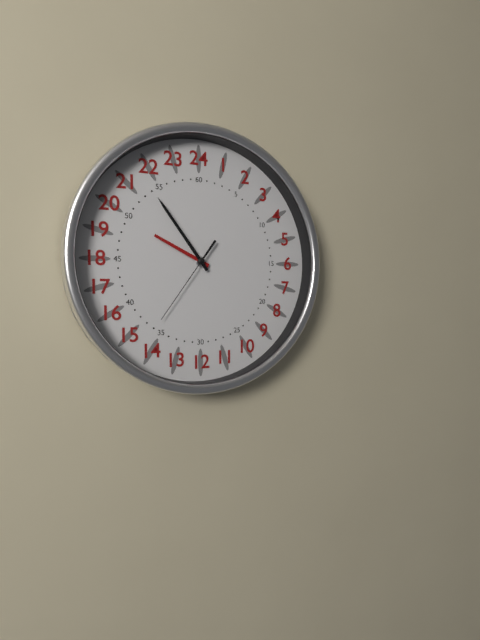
**9:54:36**
